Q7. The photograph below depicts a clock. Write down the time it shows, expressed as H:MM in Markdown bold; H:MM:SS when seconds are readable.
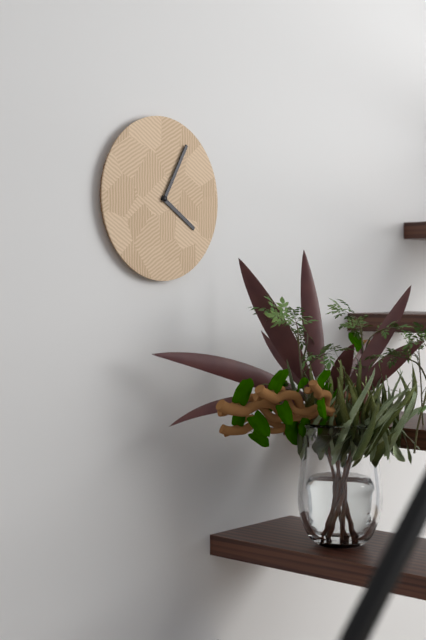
**4:05**
